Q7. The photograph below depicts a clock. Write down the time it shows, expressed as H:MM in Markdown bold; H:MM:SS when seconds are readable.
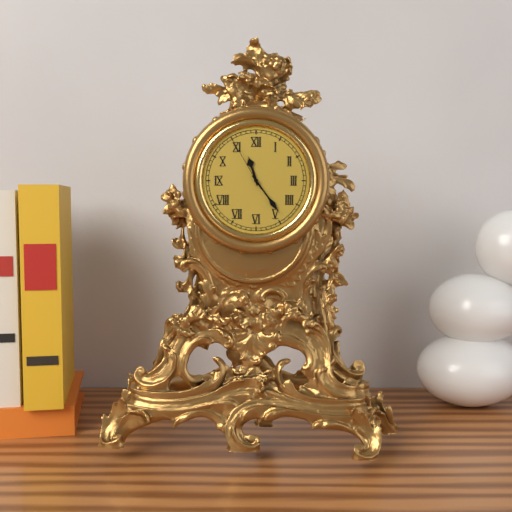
**11:24:55**
